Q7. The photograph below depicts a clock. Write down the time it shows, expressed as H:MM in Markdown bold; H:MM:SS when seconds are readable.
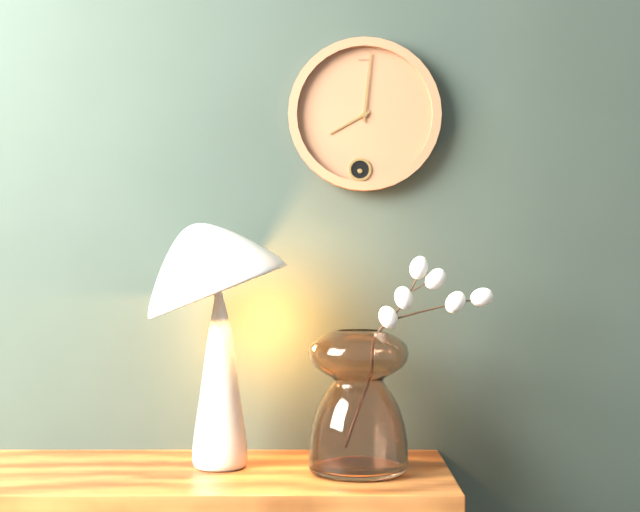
**8:01**
